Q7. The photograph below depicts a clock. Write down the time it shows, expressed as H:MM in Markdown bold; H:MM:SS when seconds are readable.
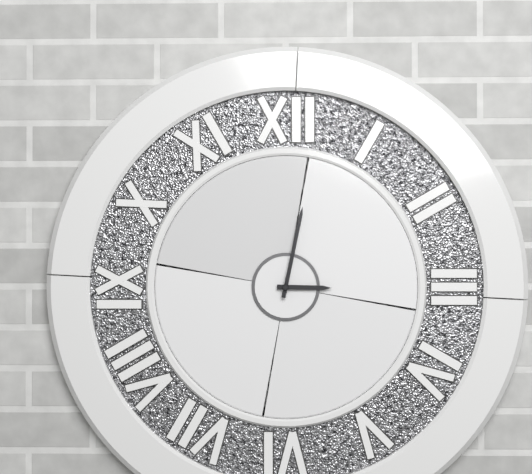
**3:02**
